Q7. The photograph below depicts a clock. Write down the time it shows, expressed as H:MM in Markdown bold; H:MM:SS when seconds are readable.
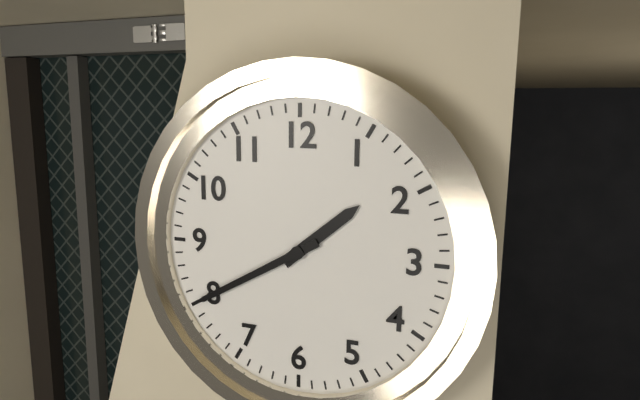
**1:40**
